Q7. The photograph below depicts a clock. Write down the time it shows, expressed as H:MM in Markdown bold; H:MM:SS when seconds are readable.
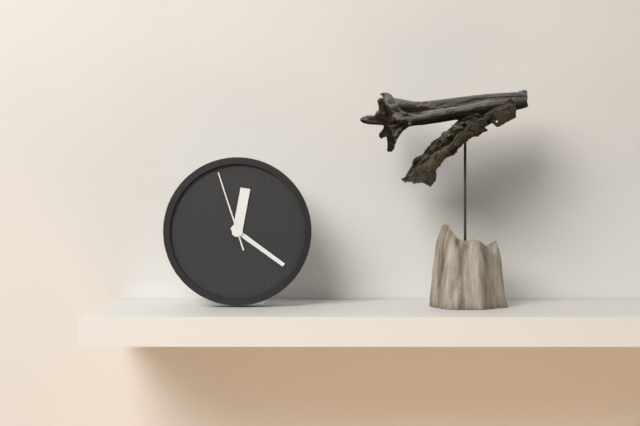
**12:21:57**
